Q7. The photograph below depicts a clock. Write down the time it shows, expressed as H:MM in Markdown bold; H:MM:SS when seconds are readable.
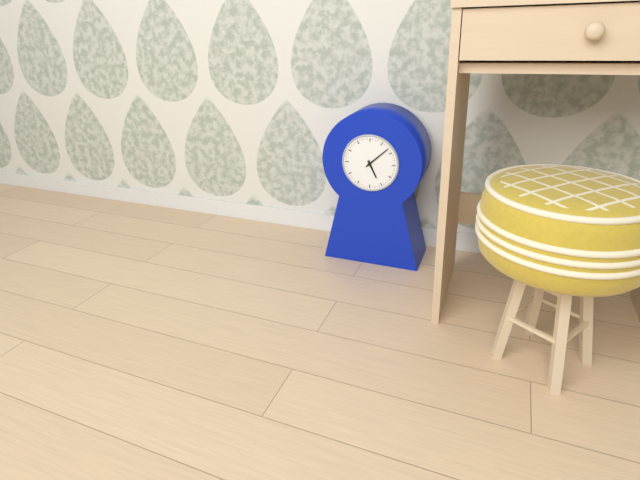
**5:08**
